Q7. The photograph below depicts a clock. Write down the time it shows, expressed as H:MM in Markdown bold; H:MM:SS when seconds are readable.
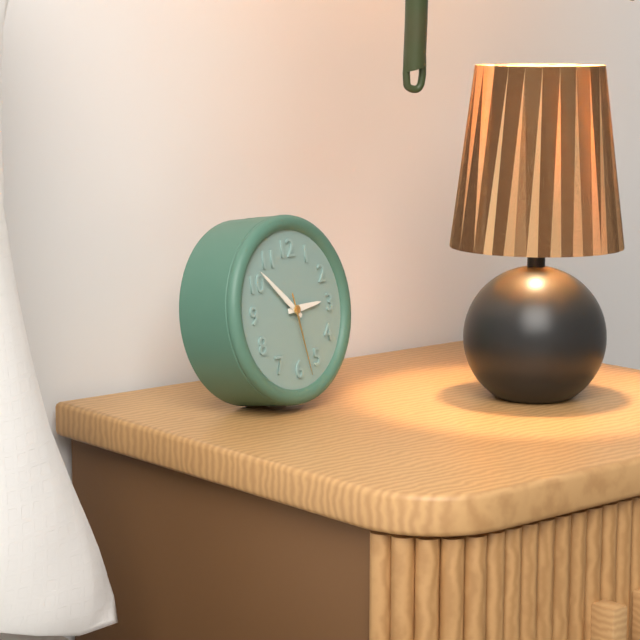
**2:52:28**
